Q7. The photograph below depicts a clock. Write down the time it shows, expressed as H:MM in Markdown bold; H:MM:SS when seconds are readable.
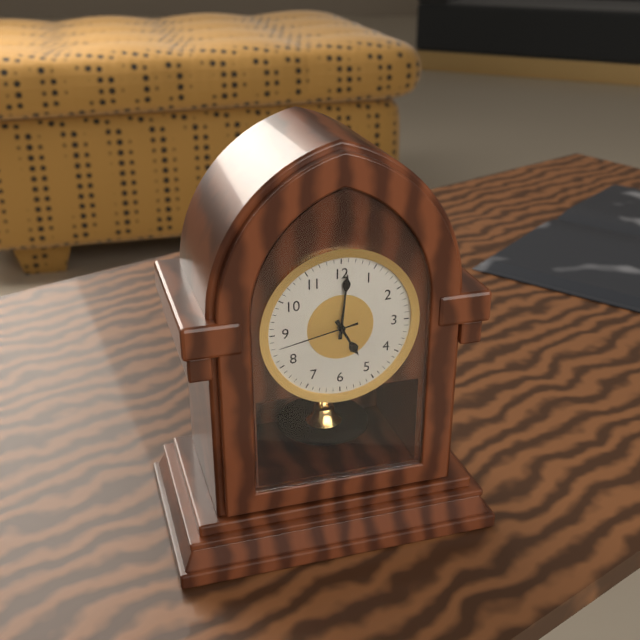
**5:01:43**
